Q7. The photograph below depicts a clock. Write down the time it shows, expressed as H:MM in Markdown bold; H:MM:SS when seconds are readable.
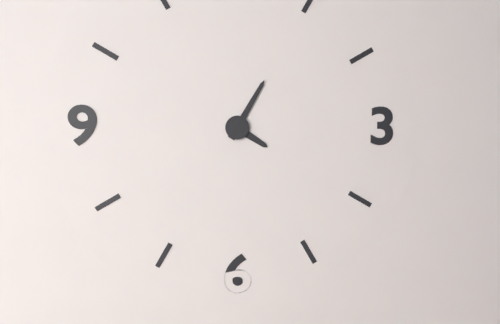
**4:05**
